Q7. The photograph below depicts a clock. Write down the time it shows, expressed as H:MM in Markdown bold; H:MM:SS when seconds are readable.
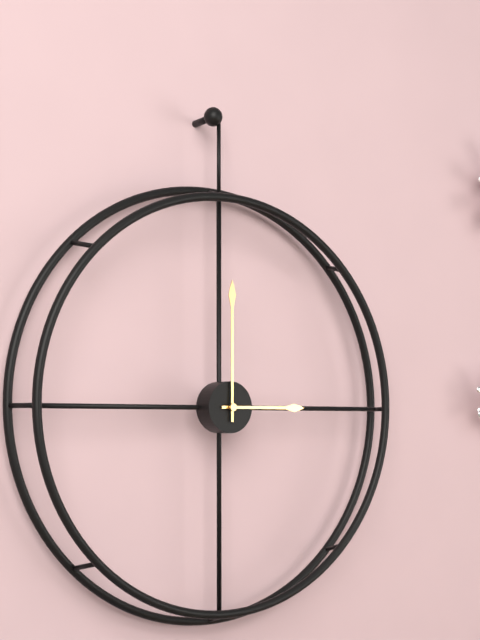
**3:00**
